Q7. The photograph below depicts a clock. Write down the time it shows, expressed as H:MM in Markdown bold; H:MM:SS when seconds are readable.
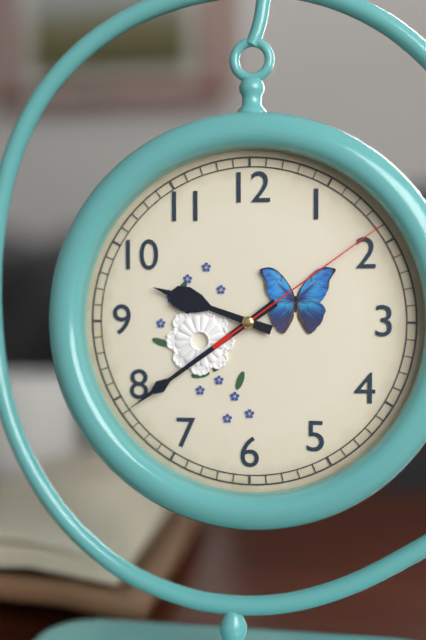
**9:39:09**
